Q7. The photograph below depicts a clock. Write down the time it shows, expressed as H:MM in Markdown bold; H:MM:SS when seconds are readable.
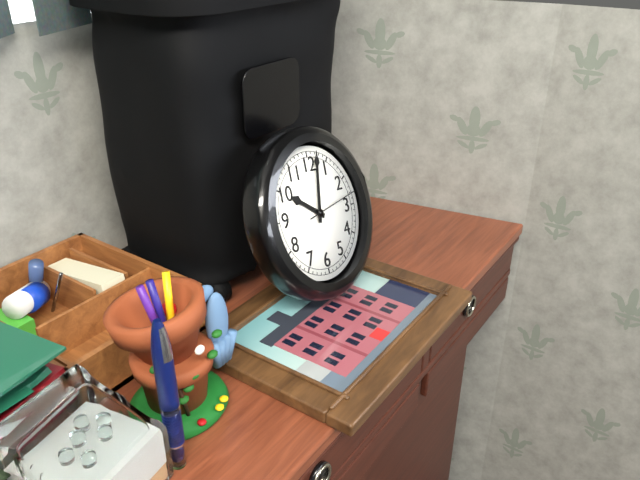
**10:02:13**
